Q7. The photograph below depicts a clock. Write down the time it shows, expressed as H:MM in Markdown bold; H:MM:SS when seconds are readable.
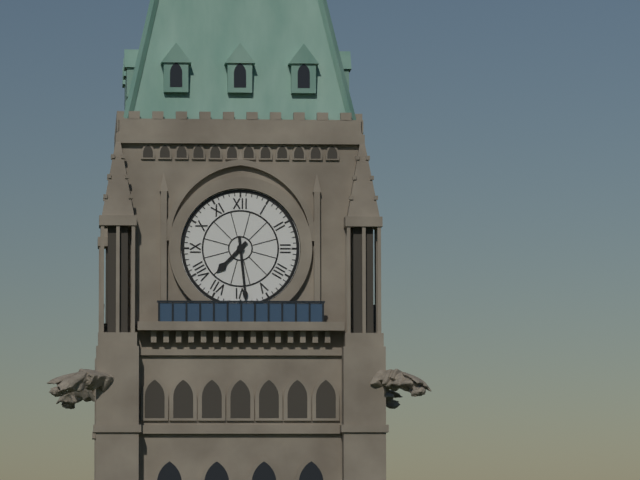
**7:29**
